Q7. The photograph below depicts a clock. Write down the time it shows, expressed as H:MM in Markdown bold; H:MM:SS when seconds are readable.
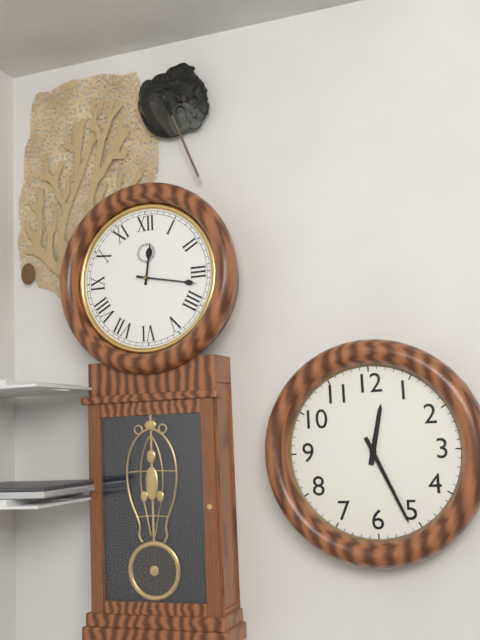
**12:17**
